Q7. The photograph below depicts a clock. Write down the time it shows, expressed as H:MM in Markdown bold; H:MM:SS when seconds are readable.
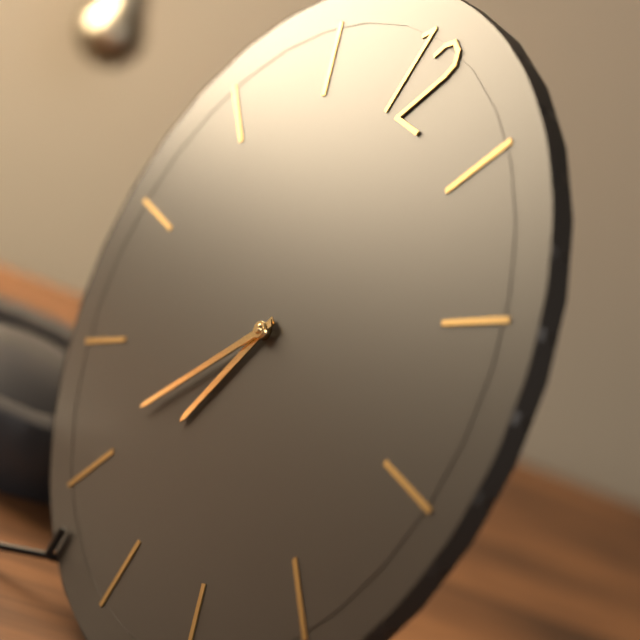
**6:36**
